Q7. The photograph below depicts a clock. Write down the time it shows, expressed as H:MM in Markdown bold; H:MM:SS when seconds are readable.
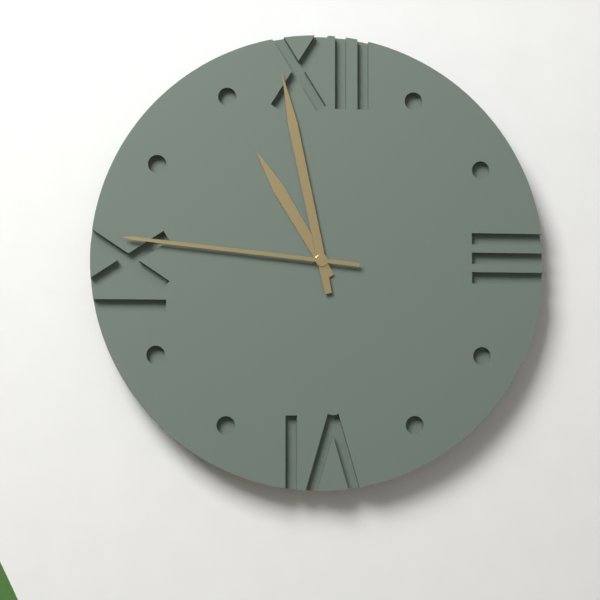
**10:58:46**
